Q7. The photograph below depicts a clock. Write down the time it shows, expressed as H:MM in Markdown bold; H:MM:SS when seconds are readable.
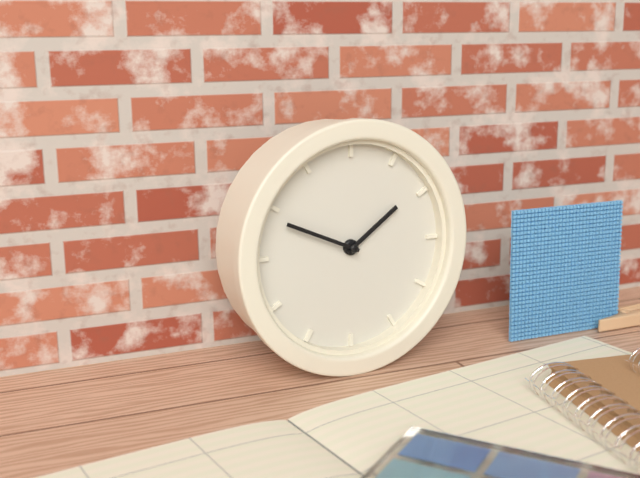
**1:49**
